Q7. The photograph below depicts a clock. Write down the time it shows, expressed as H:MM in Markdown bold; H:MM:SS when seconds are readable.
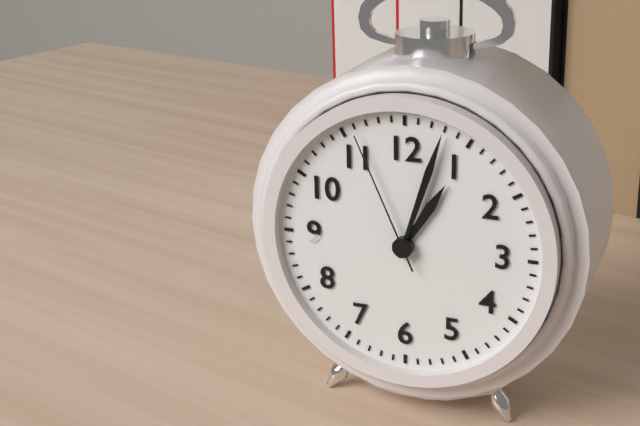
**1:03:56**
